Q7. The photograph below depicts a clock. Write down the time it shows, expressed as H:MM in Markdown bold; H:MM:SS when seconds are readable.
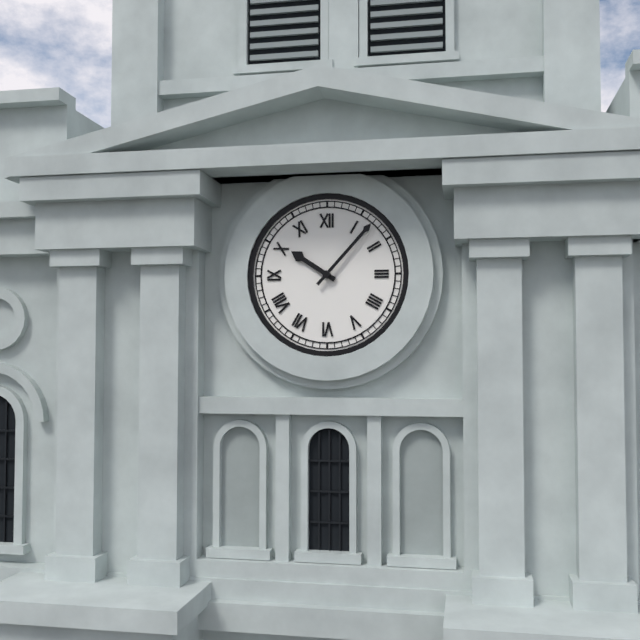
**10:07**
